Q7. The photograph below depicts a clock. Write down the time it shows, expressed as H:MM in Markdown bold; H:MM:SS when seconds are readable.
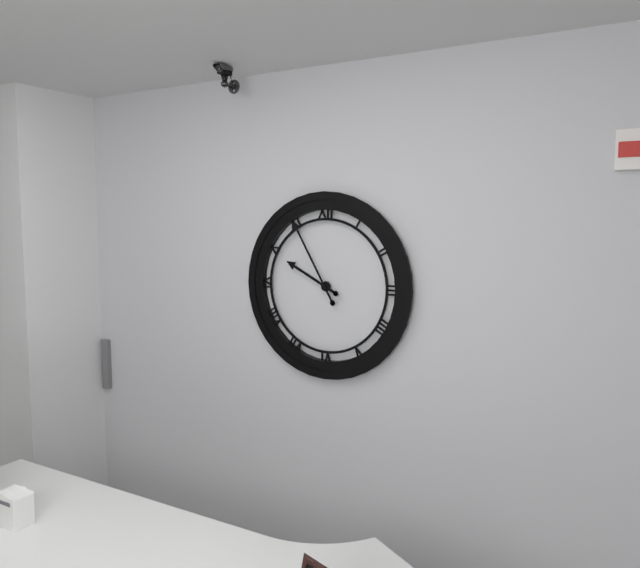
**9:55**
